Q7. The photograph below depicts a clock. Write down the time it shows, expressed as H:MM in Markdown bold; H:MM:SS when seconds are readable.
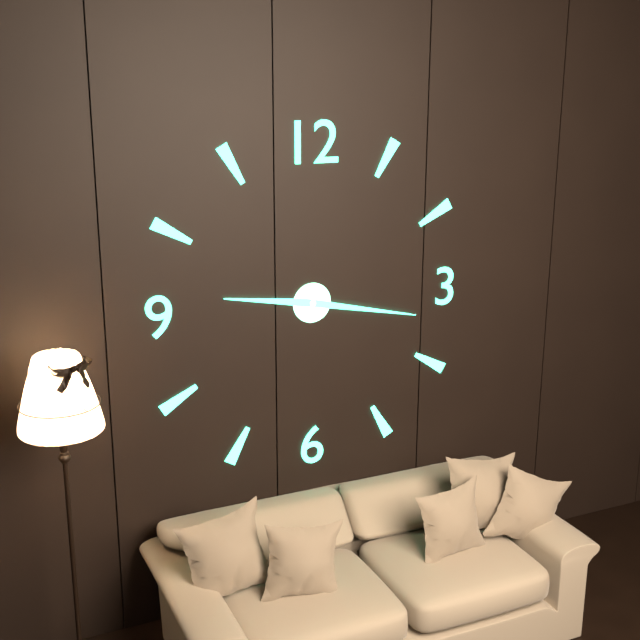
**9:17**
